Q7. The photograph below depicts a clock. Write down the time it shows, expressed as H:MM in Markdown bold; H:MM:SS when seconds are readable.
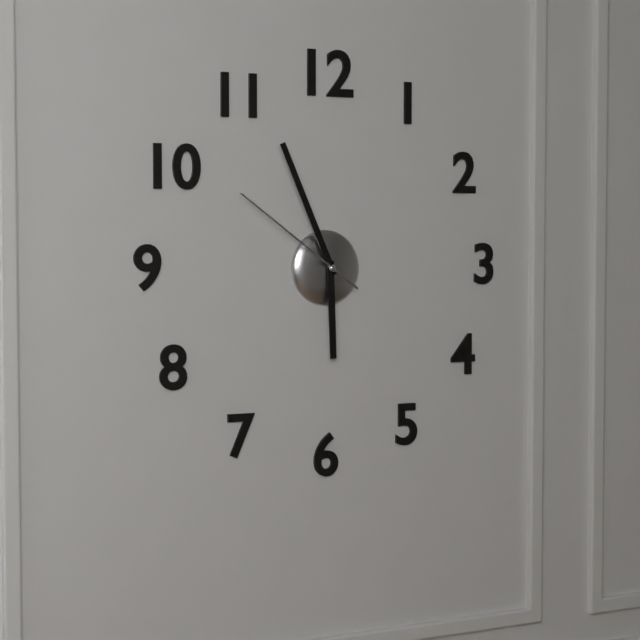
**5:56:51**
